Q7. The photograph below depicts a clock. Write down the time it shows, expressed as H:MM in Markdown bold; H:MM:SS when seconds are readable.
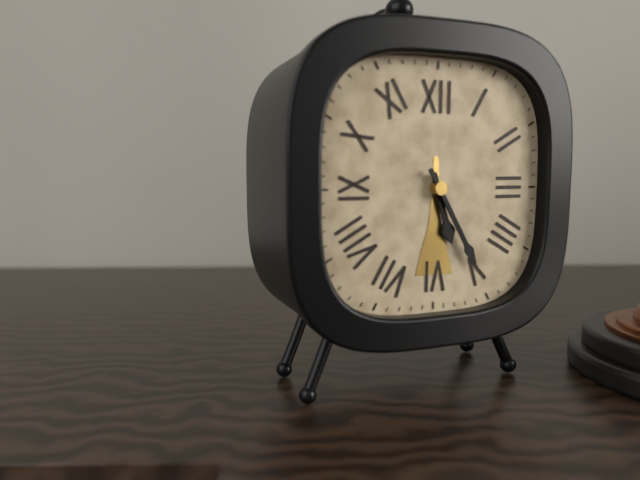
**5:25**
